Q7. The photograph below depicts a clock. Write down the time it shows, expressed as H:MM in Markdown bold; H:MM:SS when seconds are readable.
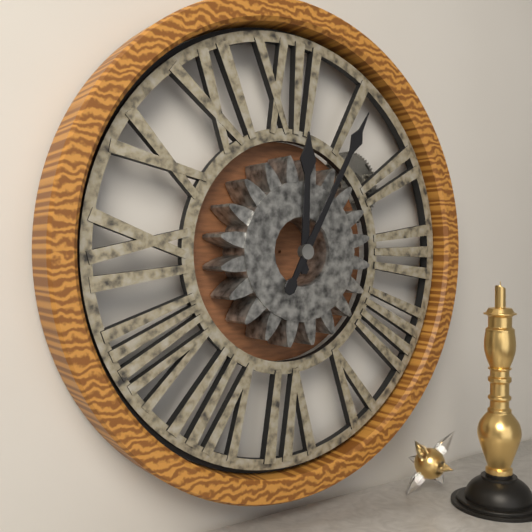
**12:05**
